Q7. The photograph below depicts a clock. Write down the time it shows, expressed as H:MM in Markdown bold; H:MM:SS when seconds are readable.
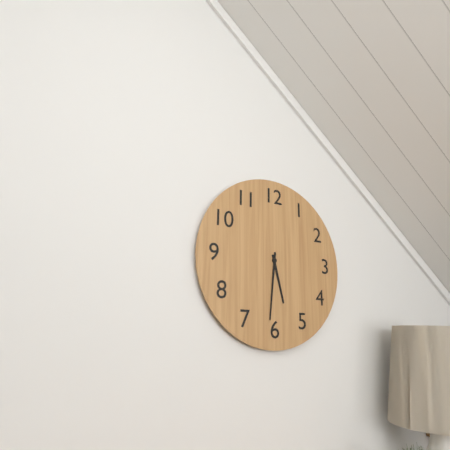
**5:31**
